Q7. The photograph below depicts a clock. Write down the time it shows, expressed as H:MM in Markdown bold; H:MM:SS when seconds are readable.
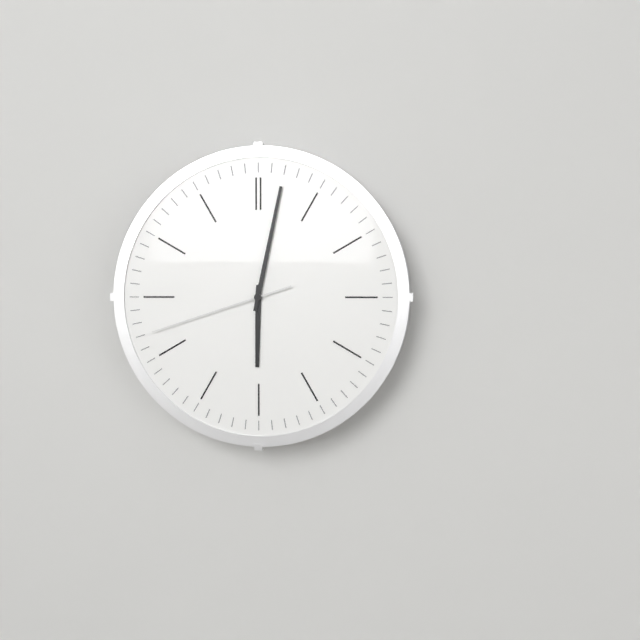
**6:02:42**
